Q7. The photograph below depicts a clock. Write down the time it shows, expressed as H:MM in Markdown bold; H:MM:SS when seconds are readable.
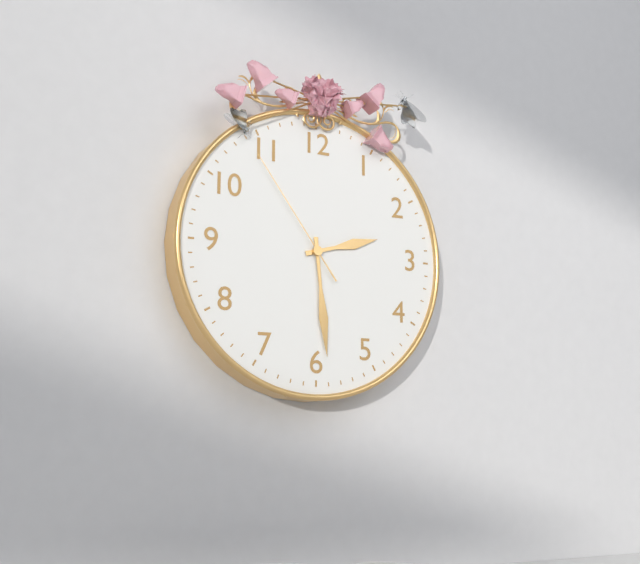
**2:29:54**
